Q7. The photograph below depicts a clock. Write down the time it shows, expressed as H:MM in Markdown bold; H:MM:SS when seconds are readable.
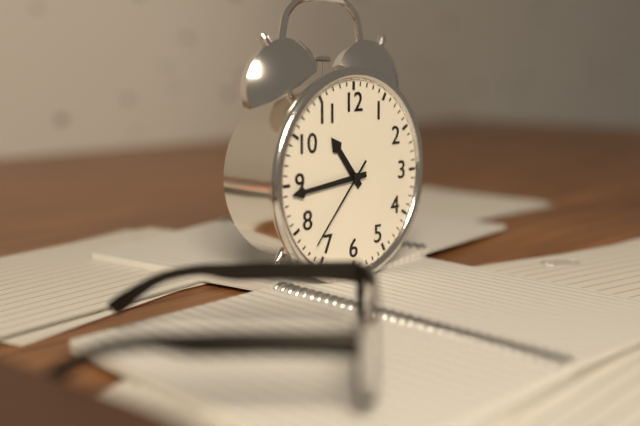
**10:44:37**
